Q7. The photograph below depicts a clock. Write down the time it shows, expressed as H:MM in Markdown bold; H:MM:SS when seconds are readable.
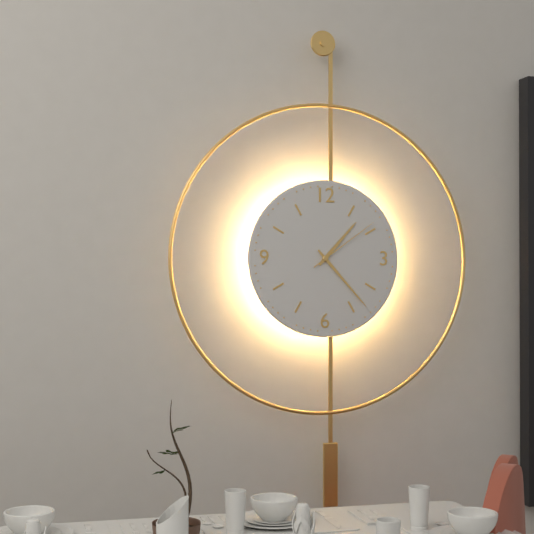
**1:23:09**
